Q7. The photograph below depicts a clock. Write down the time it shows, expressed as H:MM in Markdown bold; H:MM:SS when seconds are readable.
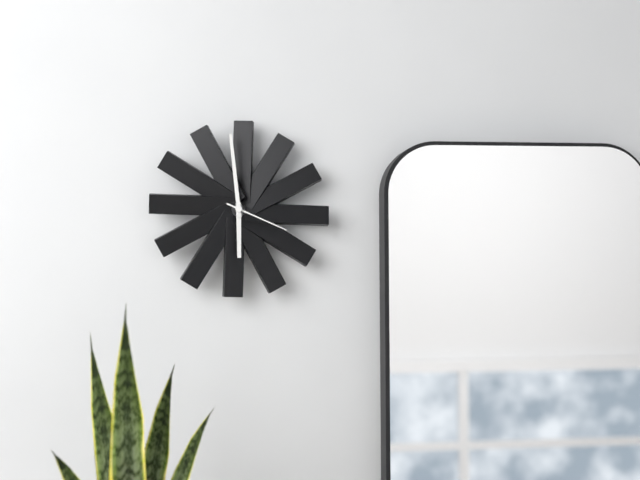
**5:59:19**
